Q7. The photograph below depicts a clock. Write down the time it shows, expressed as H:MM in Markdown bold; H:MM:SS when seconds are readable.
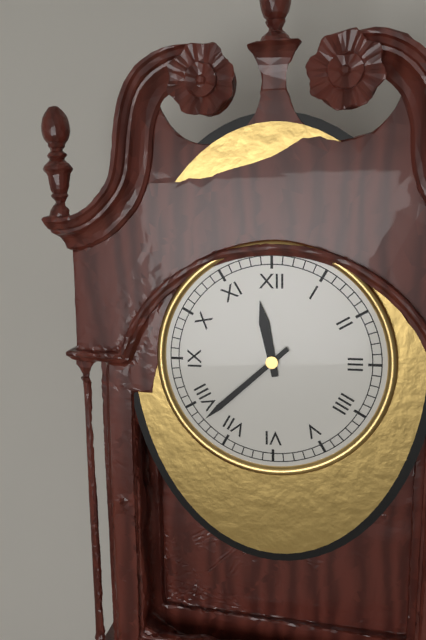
**11:38**
